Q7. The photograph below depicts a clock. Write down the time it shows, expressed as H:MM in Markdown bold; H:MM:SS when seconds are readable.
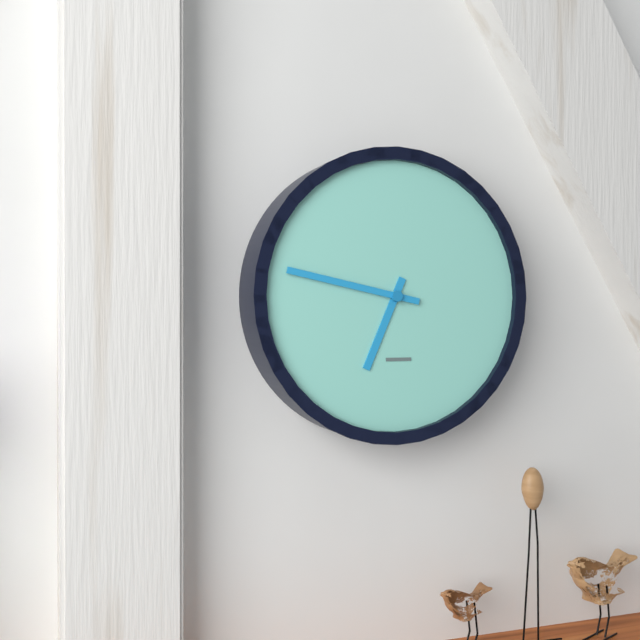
**6:47**
